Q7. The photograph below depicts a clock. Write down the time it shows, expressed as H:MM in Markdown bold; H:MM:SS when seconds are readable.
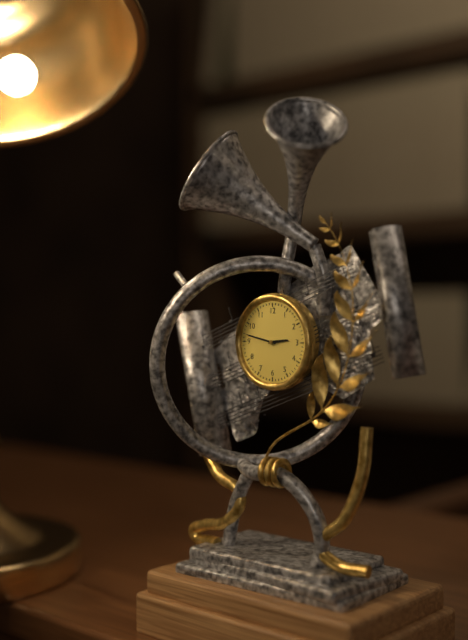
**2:47**
